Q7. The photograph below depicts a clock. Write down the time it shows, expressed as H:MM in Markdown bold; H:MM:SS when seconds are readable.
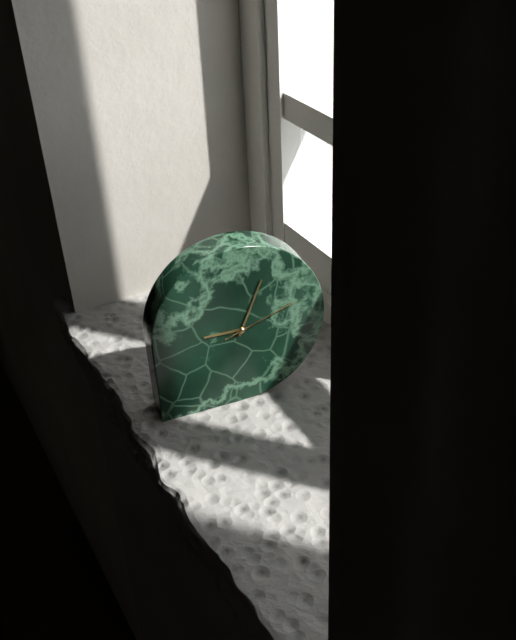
**9:04:12**
